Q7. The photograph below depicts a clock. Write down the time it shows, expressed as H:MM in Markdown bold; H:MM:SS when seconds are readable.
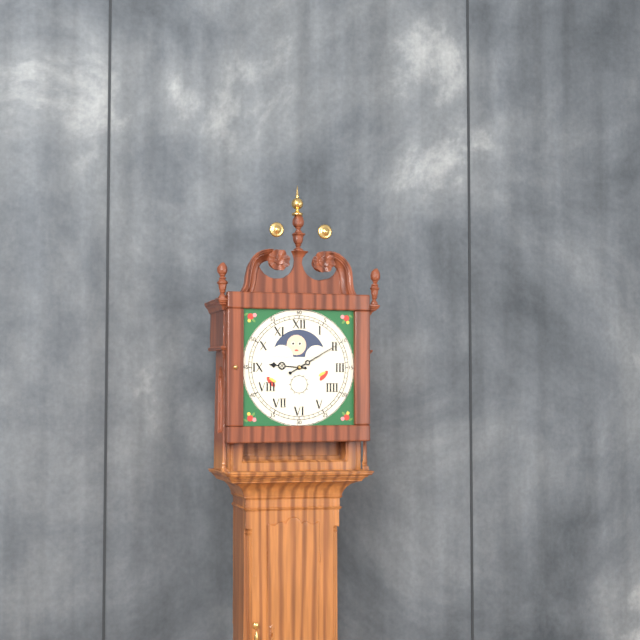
**9:10**
